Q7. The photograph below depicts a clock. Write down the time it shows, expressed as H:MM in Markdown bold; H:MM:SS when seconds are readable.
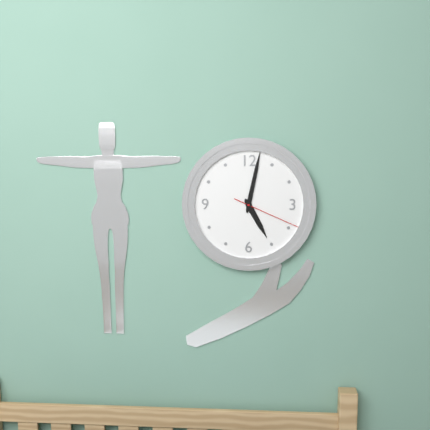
**5:02:19**
